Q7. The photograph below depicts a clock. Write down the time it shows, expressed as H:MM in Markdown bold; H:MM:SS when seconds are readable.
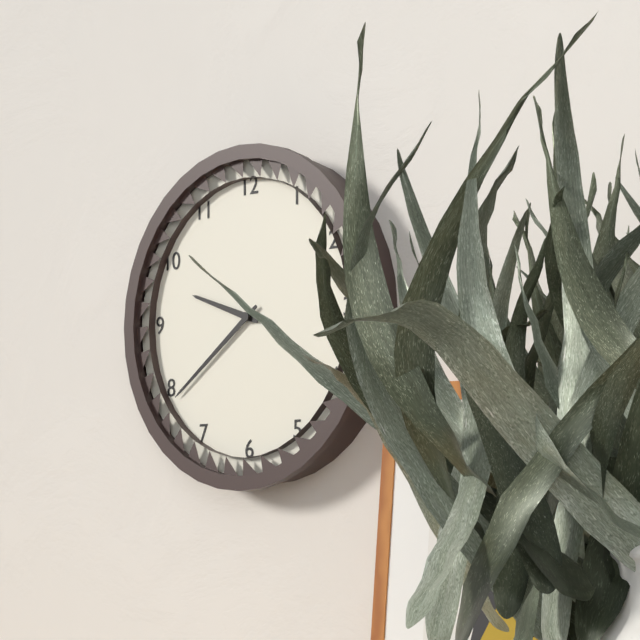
**9:39**
